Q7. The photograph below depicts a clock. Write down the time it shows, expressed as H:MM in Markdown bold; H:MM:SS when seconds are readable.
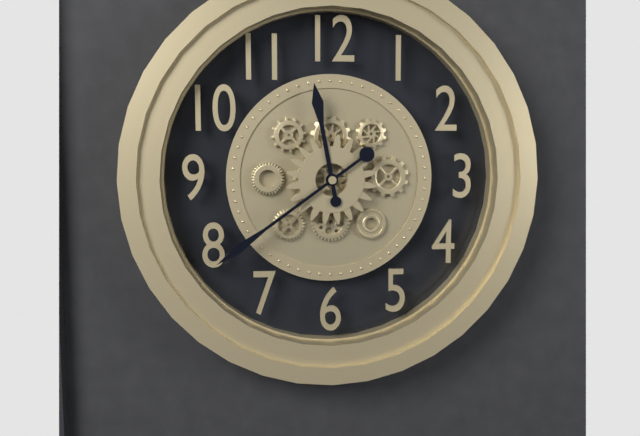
**11:39**
